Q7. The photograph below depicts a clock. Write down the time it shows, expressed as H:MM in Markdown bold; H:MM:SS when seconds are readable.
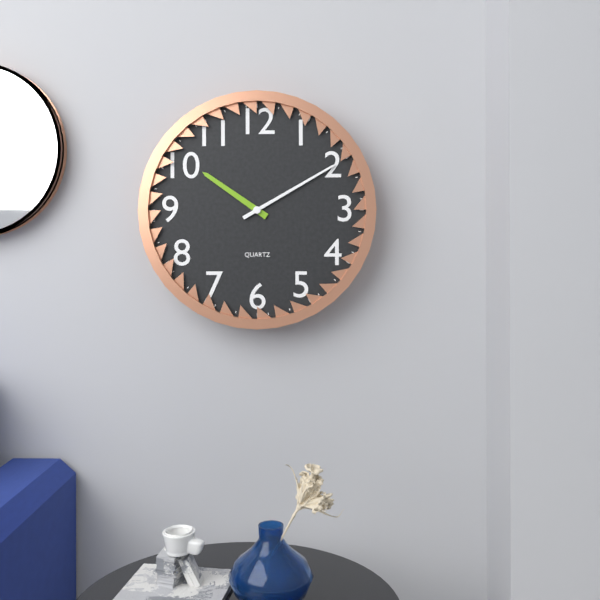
**10:10**
